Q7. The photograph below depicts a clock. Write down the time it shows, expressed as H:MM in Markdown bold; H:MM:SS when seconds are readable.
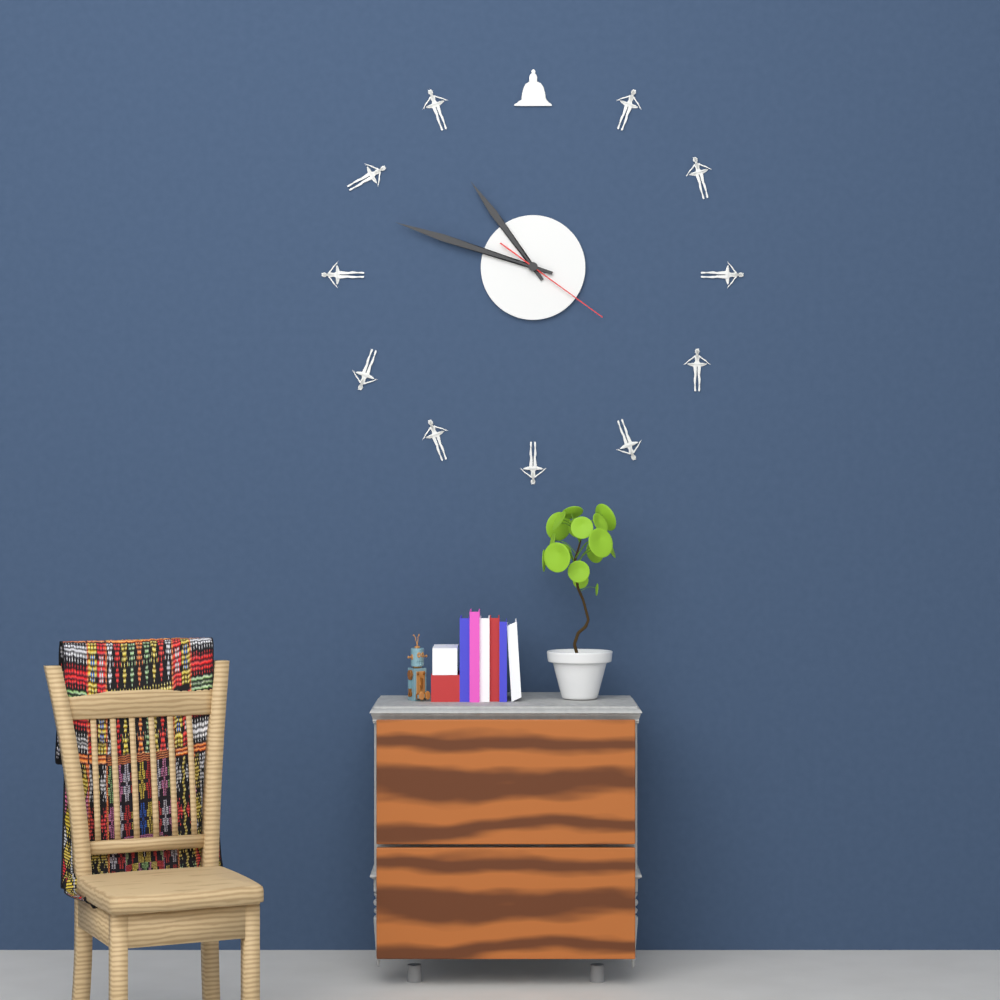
**10:48:21**
